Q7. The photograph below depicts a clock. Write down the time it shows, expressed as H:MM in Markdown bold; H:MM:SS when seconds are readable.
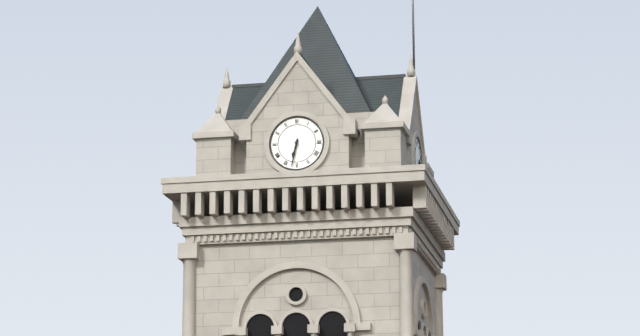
**6:32**
